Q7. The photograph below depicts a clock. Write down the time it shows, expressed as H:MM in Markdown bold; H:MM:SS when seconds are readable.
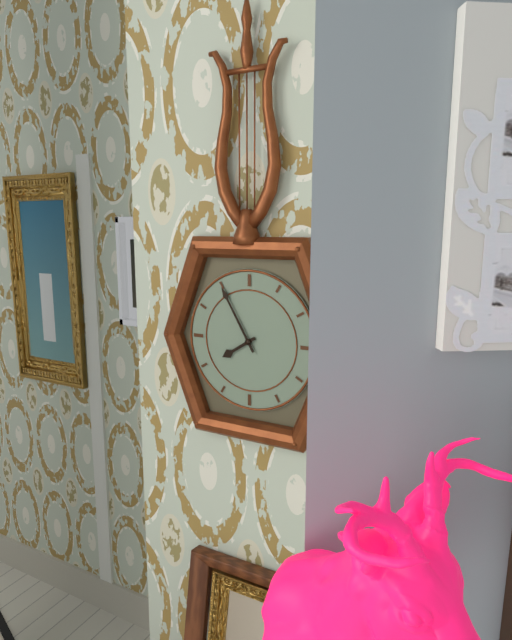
**7:55**
